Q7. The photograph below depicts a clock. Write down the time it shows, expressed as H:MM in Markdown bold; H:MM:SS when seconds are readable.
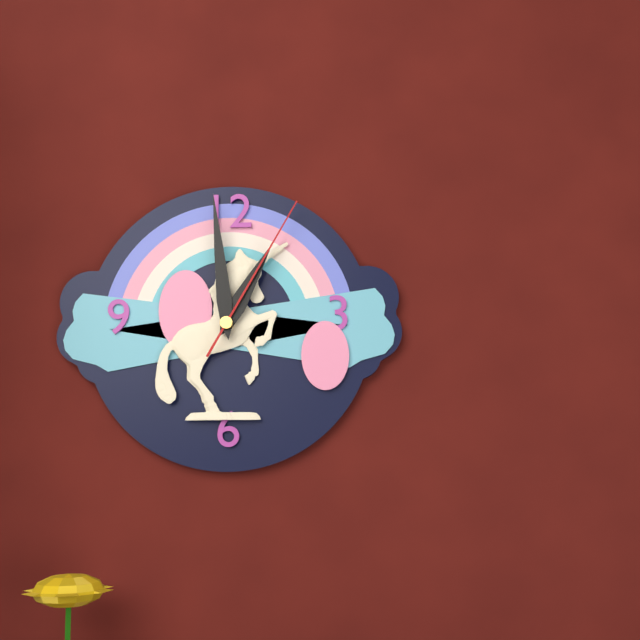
**12:59:05**
